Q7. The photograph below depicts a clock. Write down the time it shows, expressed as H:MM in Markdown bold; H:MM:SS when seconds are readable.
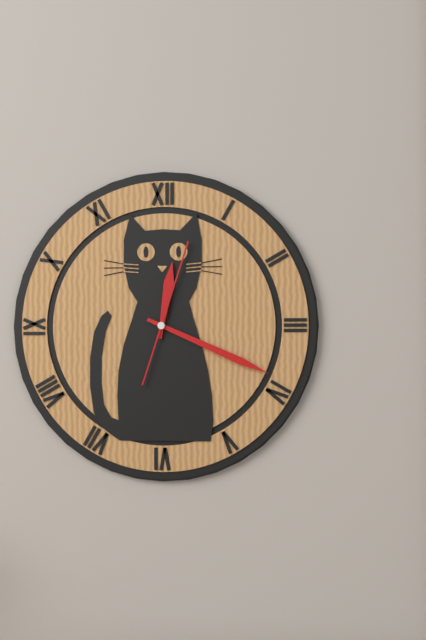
**12:19:03**
